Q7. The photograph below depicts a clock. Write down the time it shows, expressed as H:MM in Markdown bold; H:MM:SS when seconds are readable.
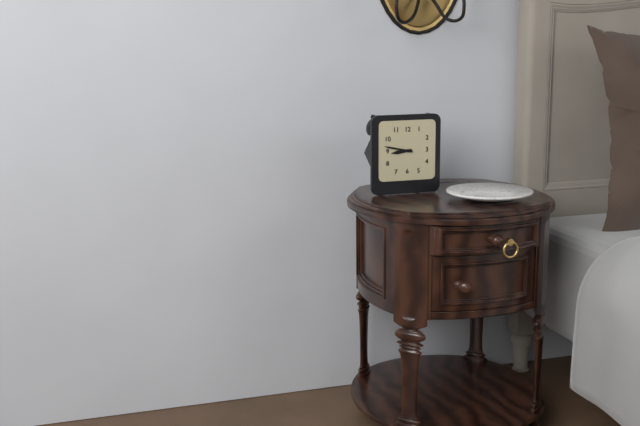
**8:47**
